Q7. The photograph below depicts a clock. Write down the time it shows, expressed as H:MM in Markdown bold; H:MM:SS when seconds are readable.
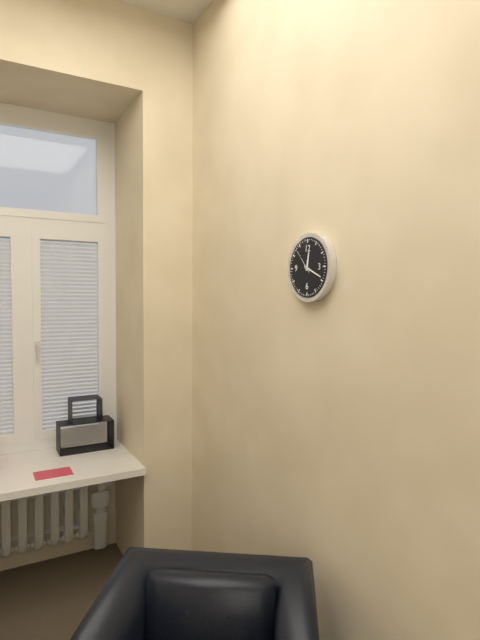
**12:19**
